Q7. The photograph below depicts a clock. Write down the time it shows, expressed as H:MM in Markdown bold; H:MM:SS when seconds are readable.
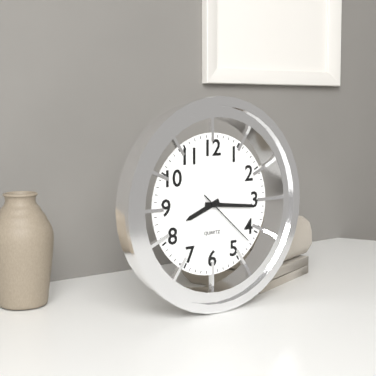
**8:16:22**
